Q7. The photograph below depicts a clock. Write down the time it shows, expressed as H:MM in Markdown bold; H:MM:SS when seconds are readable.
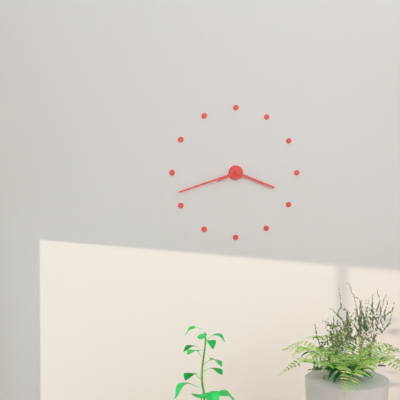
**3:42**
